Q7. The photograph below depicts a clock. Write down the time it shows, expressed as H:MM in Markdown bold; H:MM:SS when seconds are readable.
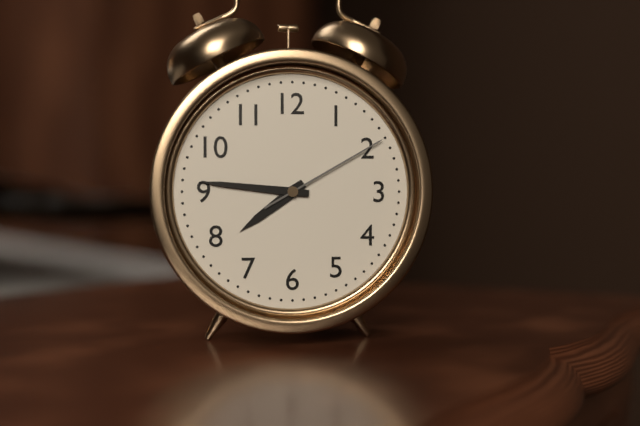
**7:46:10**
